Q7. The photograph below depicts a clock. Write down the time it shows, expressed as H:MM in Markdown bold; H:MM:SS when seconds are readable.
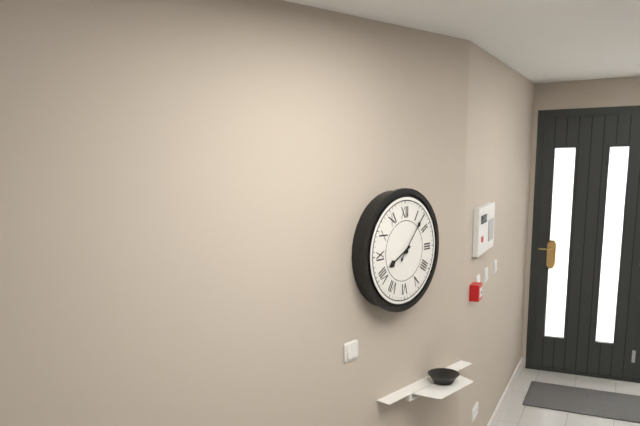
**8:07**
